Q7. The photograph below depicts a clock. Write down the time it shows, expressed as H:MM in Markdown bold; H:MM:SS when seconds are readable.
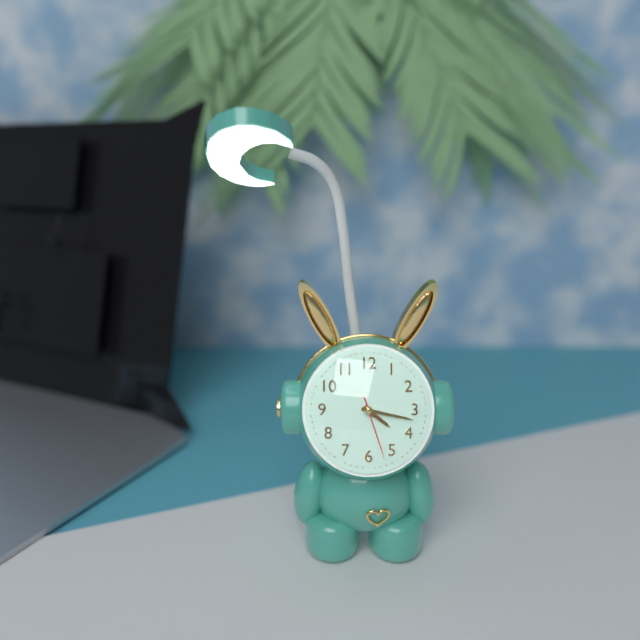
**4:17:27**
